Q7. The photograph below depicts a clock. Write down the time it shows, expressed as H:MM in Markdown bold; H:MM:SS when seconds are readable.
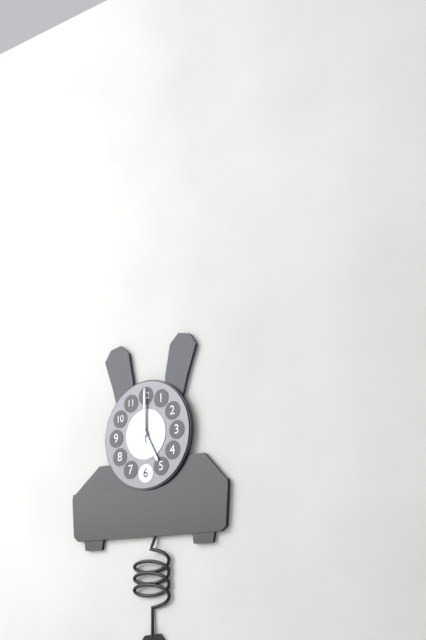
**5:00**
